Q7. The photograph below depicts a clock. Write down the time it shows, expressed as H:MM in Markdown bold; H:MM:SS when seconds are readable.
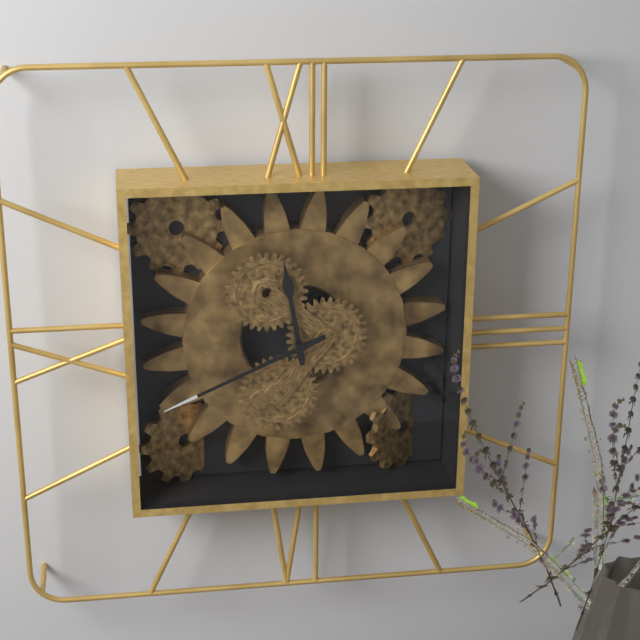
**11:41**
